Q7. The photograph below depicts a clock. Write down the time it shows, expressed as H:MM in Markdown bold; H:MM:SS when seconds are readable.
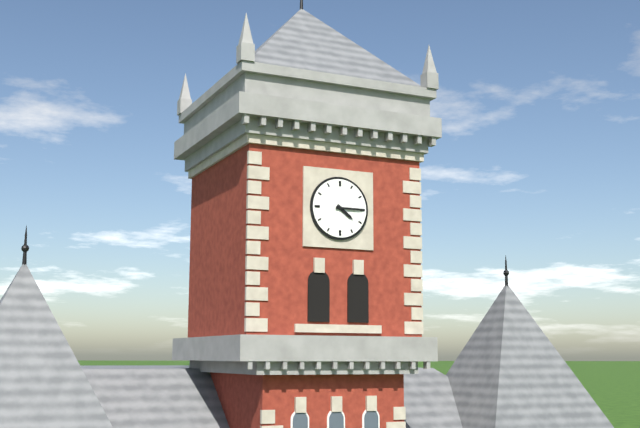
**4:15**
